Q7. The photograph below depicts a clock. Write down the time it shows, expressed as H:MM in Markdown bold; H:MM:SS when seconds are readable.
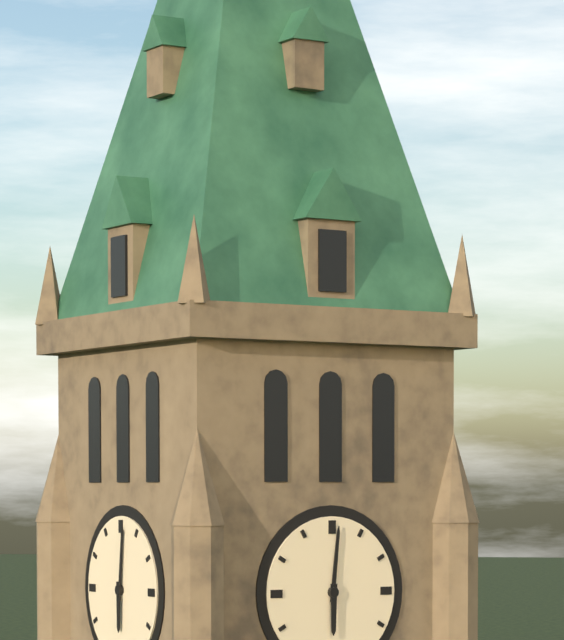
**6:01**
